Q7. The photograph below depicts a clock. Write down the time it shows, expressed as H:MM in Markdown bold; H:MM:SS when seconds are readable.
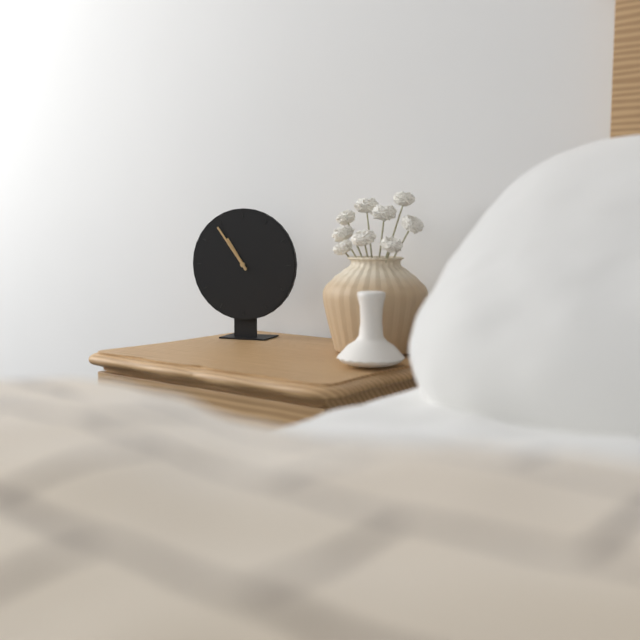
**10:54**
